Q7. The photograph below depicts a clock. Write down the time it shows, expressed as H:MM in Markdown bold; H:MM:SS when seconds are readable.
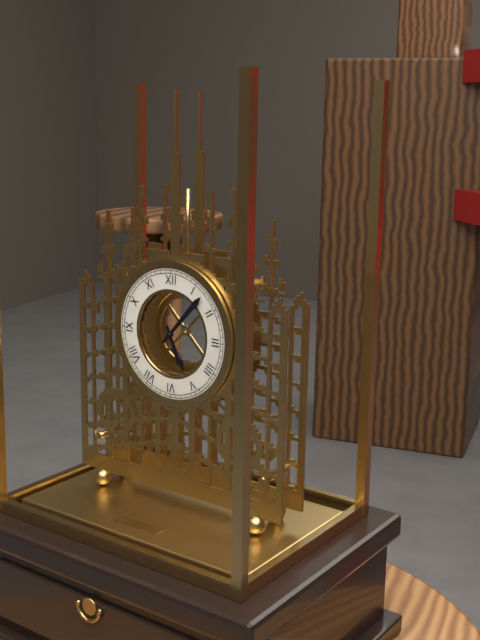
**5:07**
